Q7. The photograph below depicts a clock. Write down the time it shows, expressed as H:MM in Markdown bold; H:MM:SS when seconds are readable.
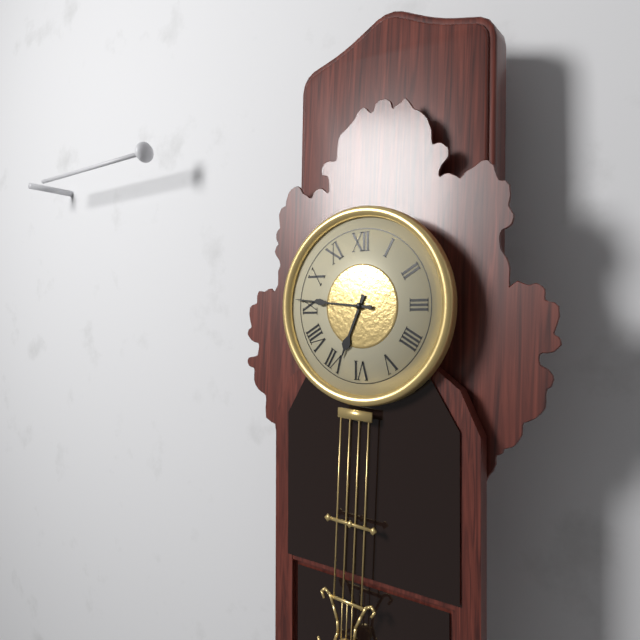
**6:46**
